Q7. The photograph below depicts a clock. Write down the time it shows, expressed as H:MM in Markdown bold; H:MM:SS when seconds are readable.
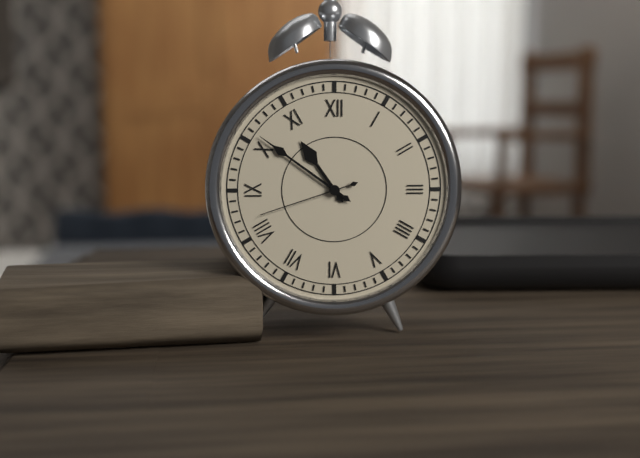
**10:51:42**
